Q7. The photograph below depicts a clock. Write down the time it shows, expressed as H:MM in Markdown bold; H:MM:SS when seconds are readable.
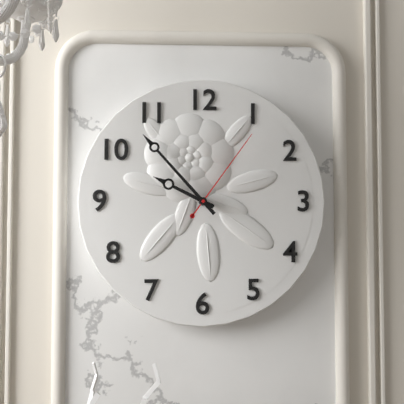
**9:53:06**
